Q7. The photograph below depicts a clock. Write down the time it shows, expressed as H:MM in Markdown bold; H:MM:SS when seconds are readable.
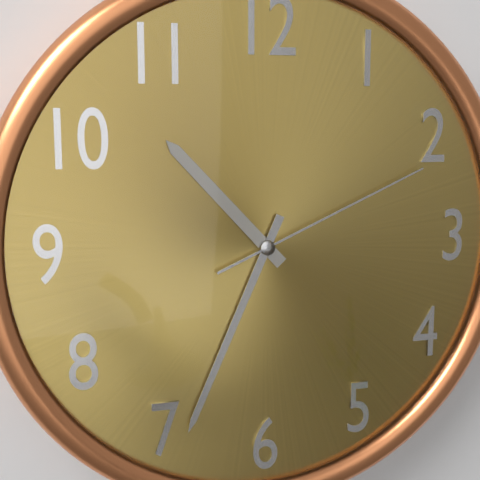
**10:34:11**
